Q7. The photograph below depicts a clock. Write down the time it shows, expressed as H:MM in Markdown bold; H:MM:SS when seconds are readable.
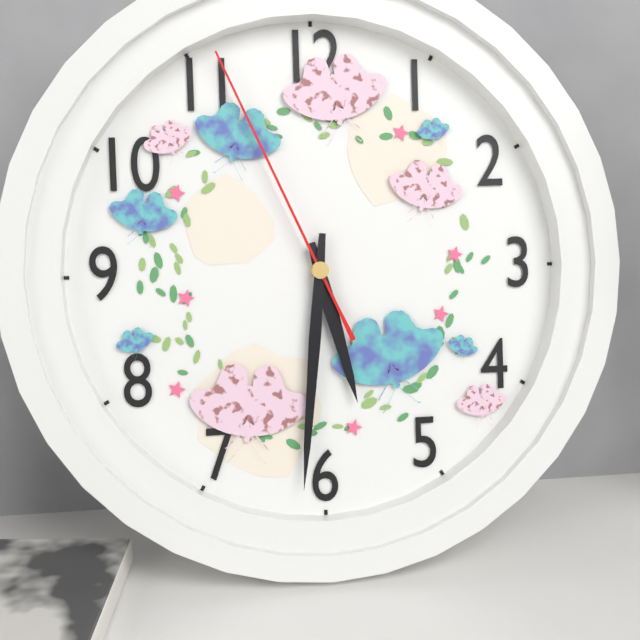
**5:31:56**
